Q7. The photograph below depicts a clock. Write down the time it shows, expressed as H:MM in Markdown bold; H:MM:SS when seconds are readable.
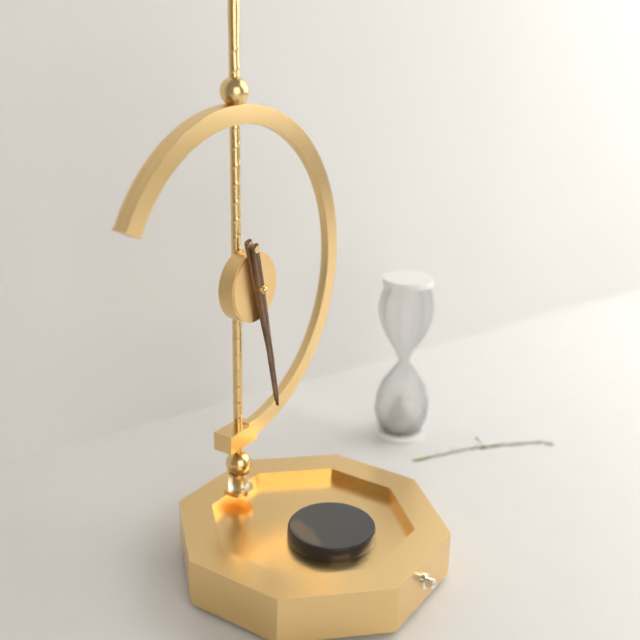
**5:28**
